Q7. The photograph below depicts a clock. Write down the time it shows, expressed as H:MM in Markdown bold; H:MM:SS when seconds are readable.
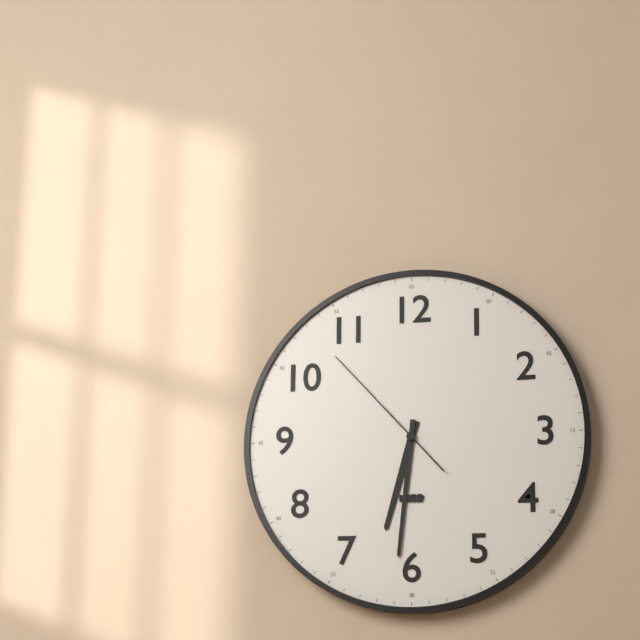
**6:31:53**
